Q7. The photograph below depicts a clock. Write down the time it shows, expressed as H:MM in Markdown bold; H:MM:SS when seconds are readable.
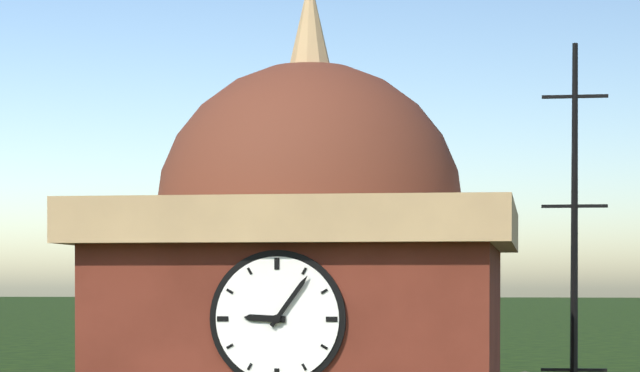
**9:06**
